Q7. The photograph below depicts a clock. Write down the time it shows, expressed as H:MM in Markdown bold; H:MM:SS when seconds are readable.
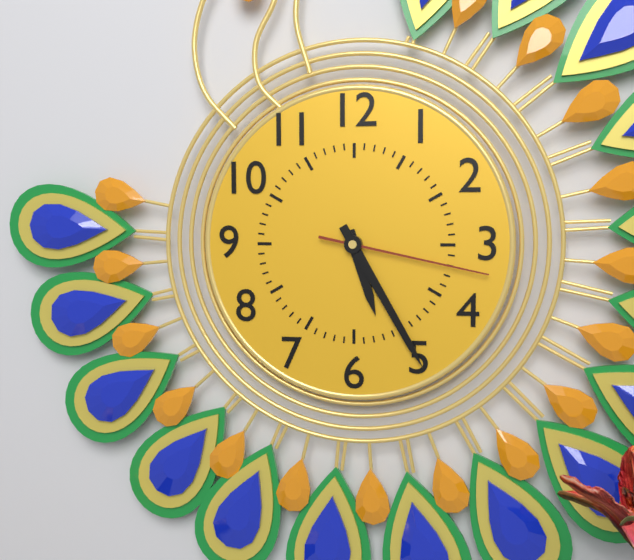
**5:25:17**
